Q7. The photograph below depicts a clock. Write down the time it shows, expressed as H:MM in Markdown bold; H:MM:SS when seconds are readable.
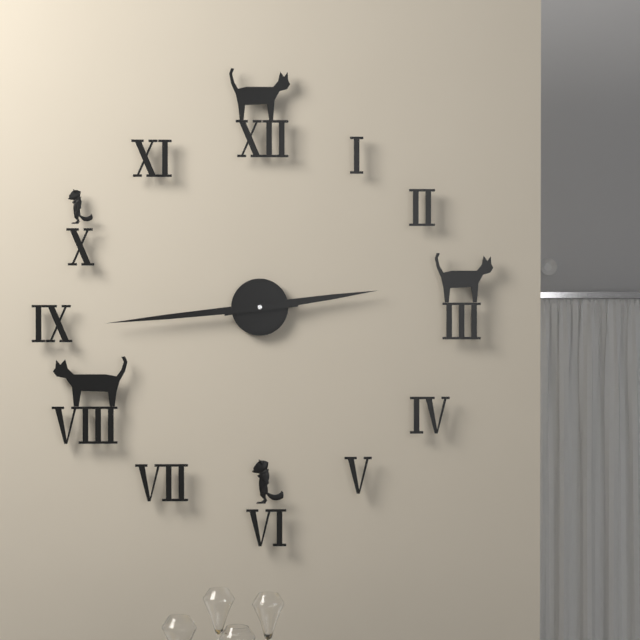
**2:44**
